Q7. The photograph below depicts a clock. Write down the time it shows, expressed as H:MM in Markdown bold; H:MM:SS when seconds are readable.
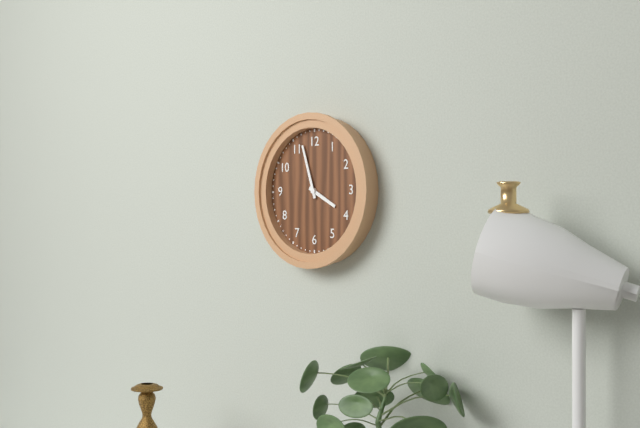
**3:57**
